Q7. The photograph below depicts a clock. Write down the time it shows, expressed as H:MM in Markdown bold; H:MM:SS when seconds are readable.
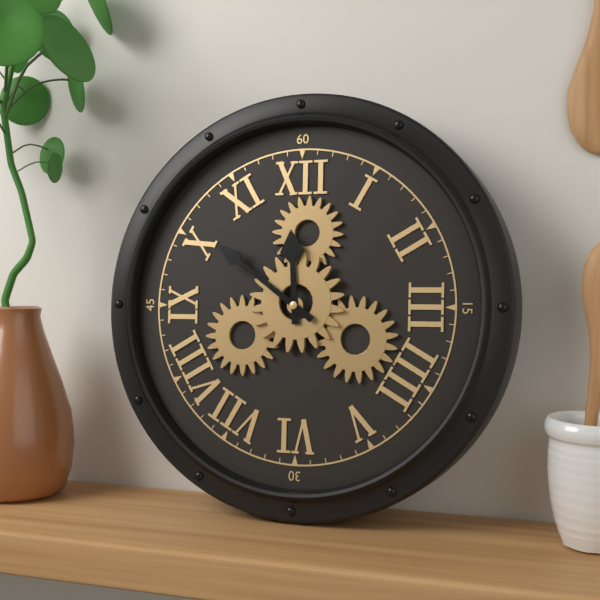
**11:51**
